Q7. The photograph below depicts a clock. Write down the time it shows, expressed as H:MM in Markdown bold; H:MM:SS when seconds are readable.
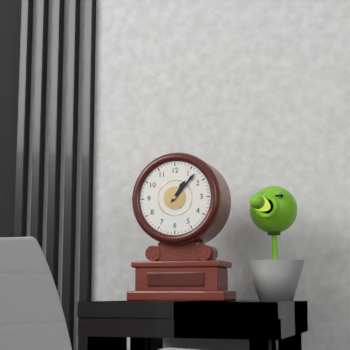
**1:07**
